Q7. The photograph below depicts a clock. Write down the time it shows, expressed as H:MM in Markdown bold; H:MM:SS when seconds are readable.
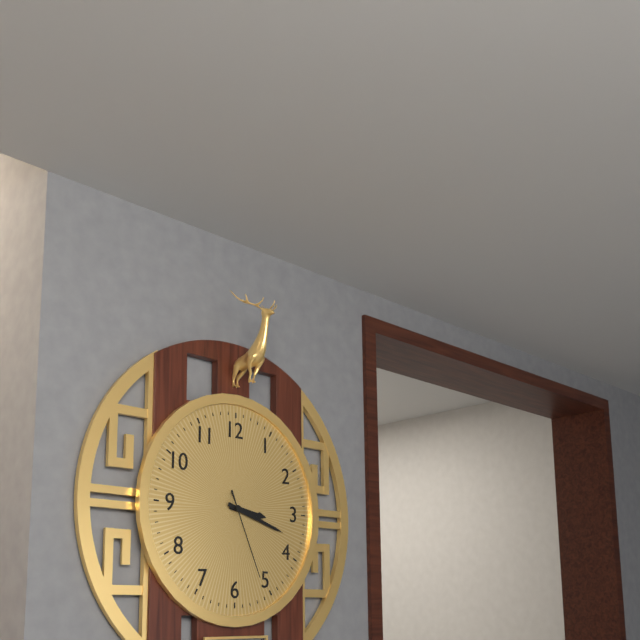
**3:18:26**
